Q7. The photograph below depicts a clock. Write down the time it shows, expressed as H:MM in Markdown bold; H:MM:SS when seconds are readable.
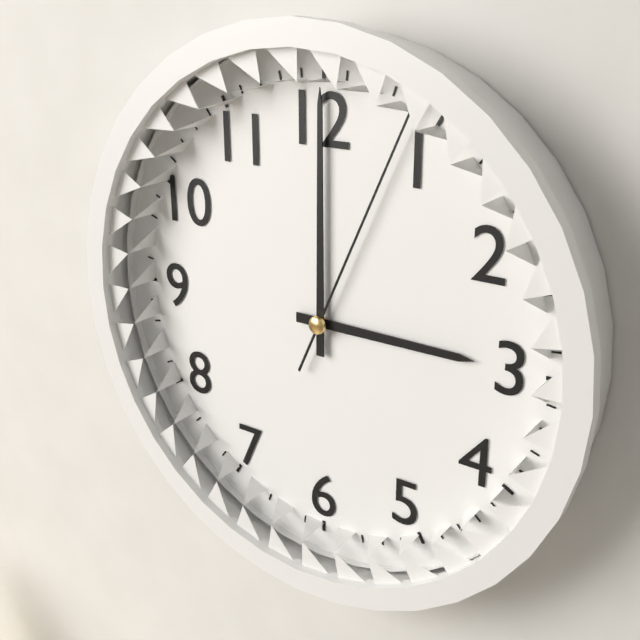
**3:00:04**
